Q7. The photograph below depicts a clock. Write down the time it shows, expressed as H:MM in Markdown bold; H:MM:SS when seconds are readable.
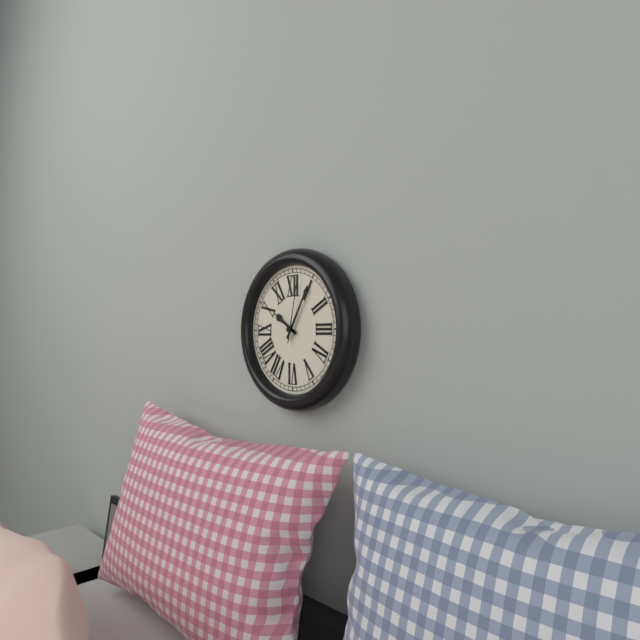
**10:05:02**
